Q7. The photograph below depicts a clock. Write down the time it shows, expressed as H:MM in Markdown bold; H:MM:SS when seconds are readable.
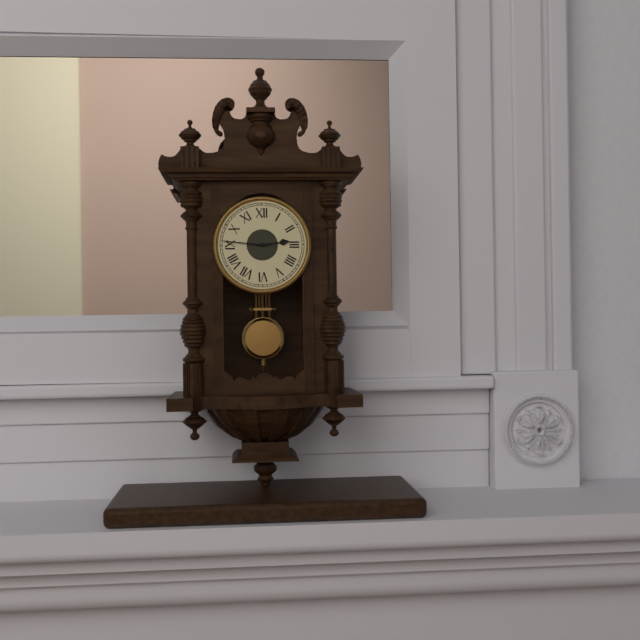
**2:46**
